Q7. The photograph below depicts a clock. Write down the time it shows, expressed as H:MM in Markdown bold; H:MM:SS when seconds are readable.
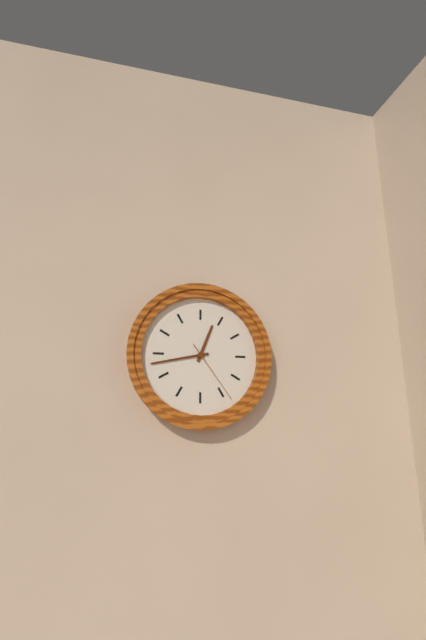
**12:43:24**
